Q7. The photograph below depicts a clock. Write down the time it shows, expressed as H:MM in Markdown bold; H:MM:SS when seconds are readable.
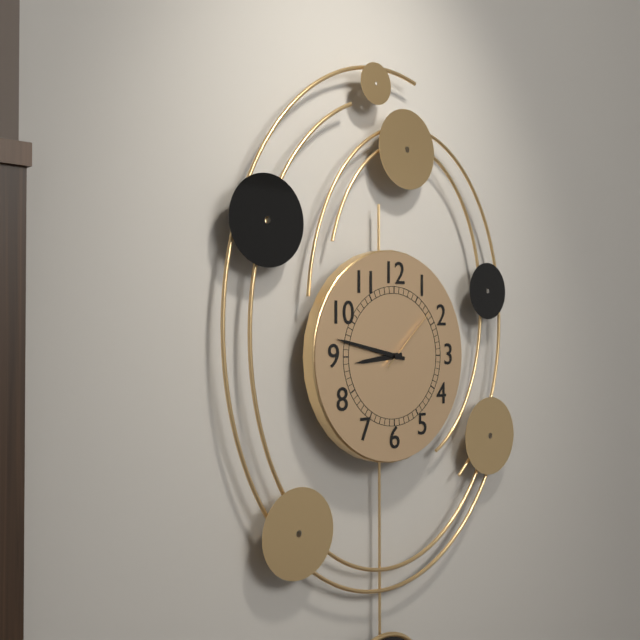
**8:47:08**
